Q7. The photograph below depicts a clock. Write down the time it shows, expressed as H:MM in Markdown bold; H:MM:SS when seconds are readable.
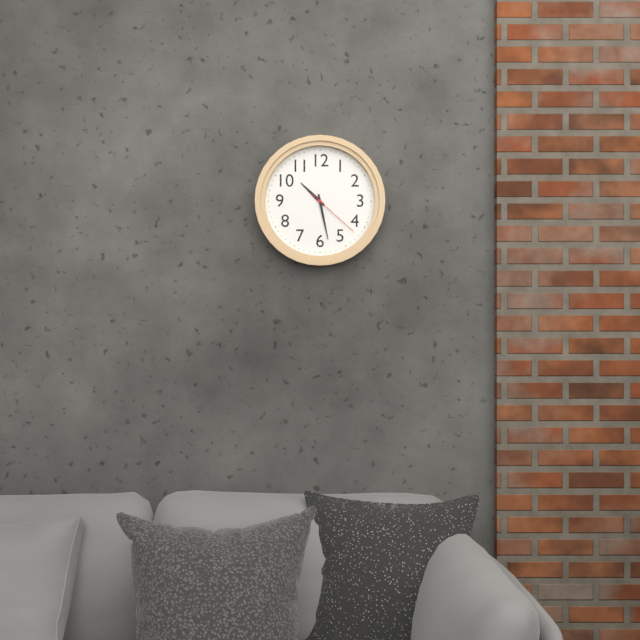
**10:28:22**
